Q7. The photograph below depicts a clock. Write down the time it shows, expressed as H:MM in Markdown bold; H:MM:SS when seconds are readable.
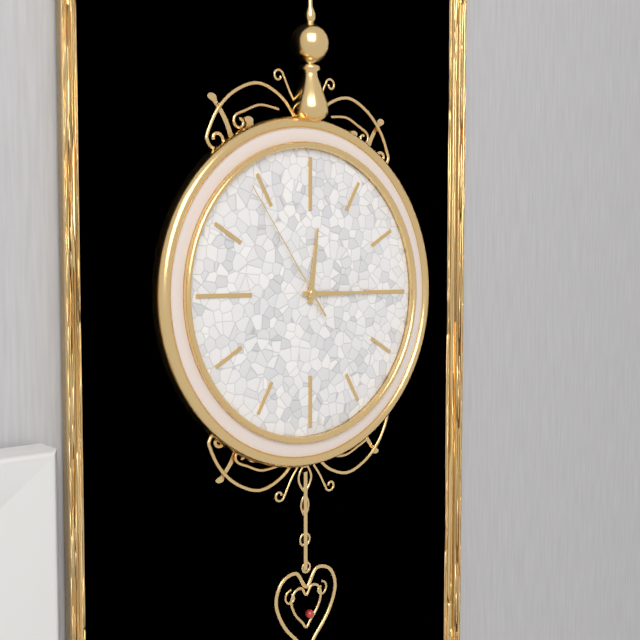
**12:15:54**
